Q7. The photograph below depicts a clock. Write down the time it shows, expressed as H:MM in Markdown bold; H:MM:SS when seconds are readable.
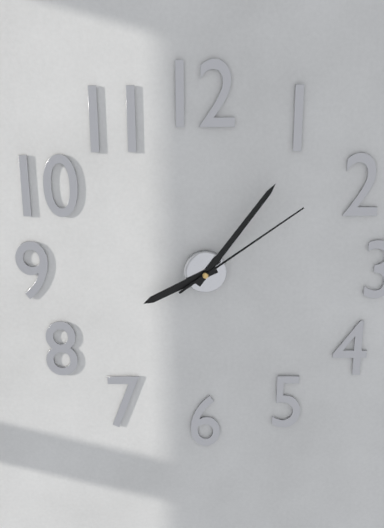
**8:06:09**
